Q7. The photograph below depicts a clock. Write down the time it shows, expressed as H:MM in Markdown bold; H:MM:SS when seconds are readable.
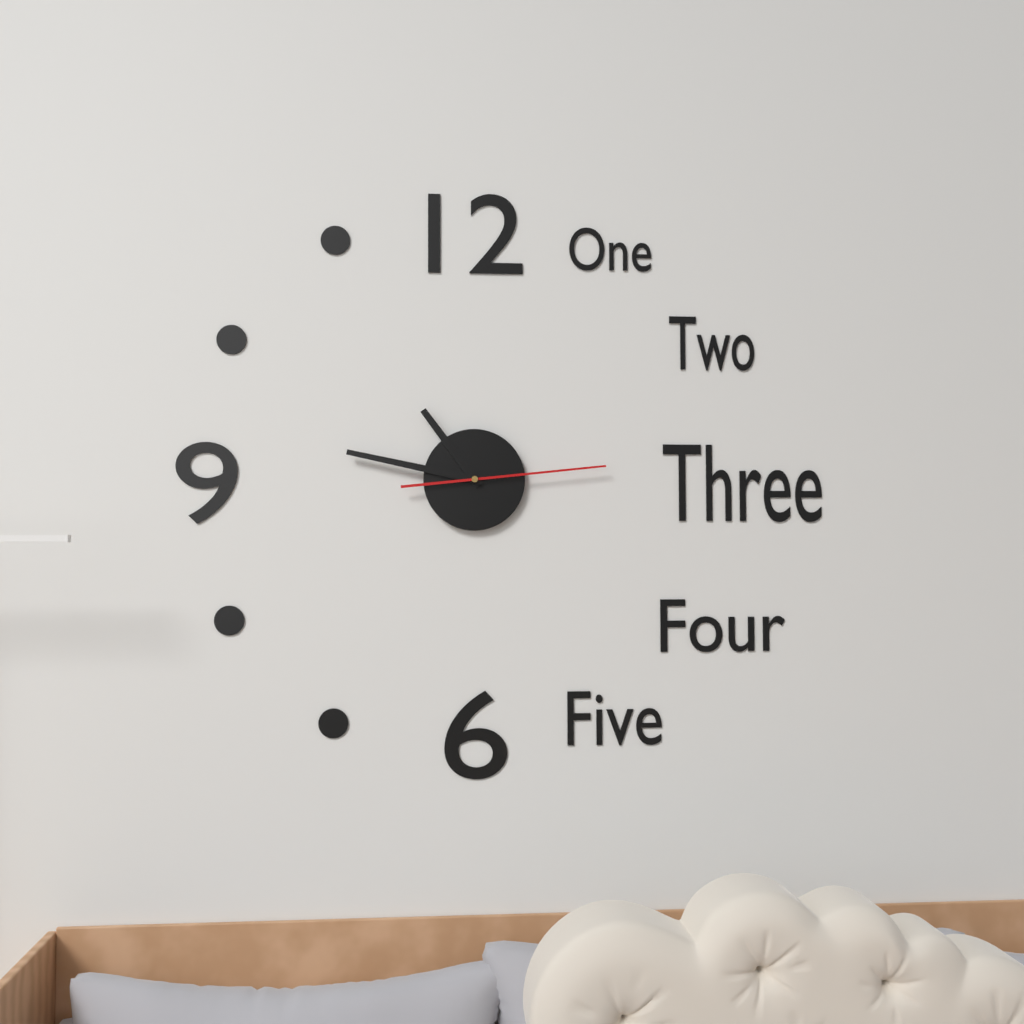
**10:47:14**
